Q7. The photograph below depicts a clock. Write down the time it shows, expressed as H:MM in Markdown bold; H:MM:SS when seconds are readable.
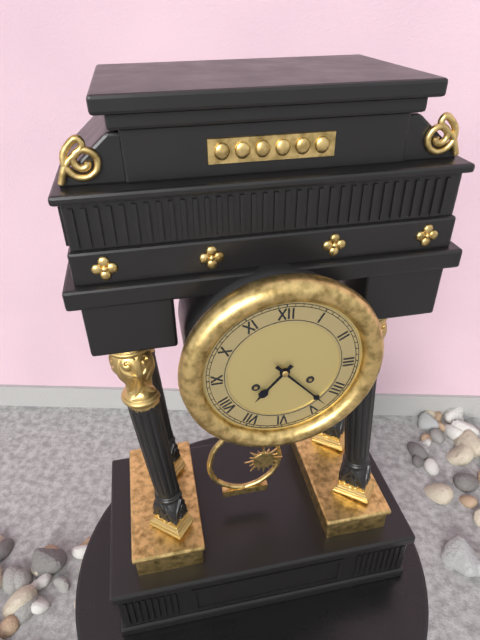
**7:23**
